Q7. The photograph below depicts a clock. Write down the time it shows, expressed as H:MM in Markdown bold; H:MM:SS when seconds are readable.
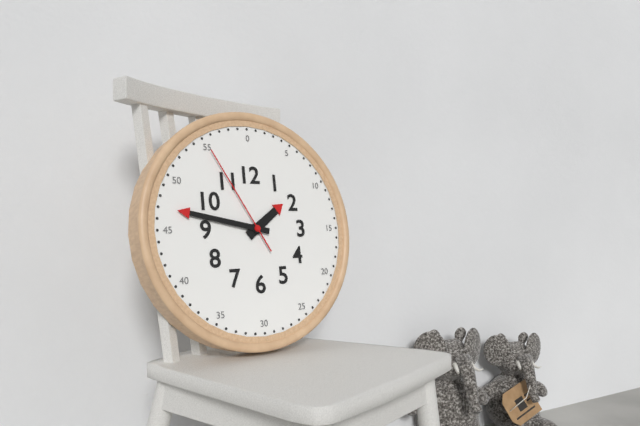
**1:47:55**
